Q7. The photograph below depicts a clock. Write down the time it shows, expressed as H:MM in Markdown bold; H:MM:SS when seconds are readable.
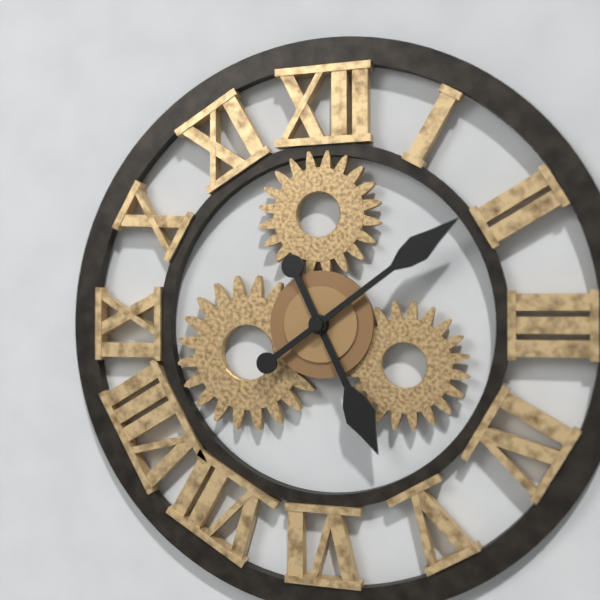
**5:09**
